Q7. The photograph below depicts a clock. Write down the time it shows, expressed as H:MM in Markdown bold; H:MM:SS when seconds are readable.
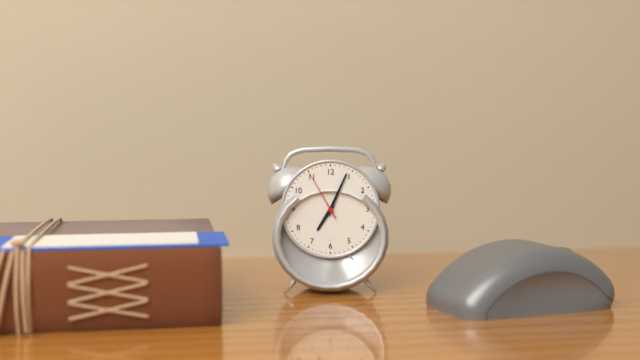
**7:04:55**
